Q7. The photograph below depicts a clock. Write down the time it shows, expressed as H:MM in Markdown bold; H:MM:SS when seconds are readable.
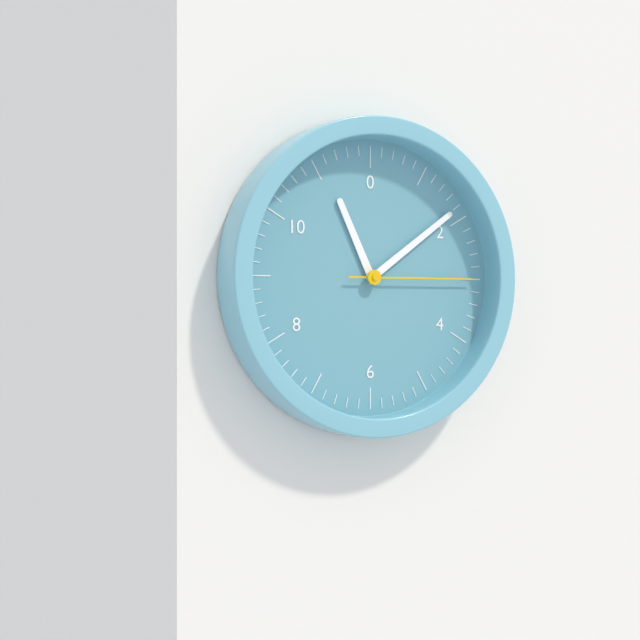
**11:09:15**
